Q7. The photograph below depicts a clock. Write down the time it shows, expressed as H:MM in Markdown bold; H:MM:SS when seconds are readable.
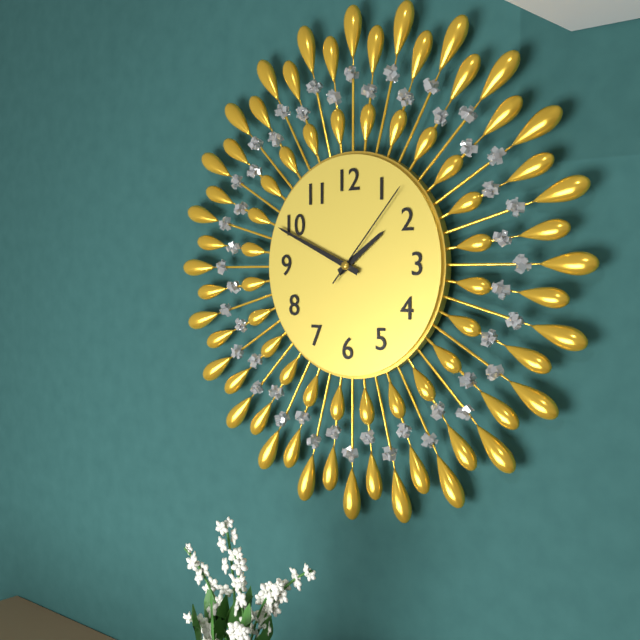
**1:49:07**
